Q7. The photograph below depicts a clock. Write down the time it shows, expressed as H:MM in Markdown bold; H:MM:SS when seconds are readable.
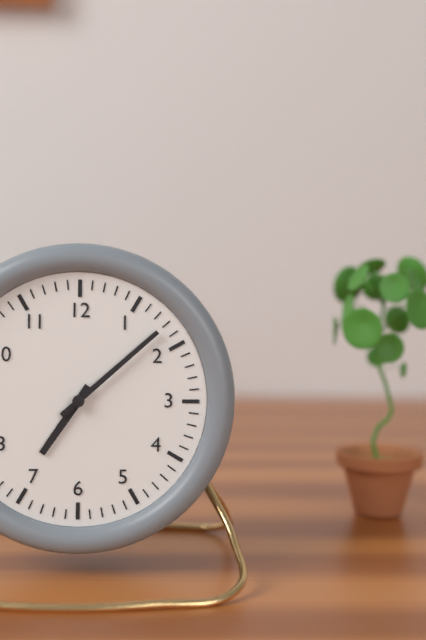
**7:08**
